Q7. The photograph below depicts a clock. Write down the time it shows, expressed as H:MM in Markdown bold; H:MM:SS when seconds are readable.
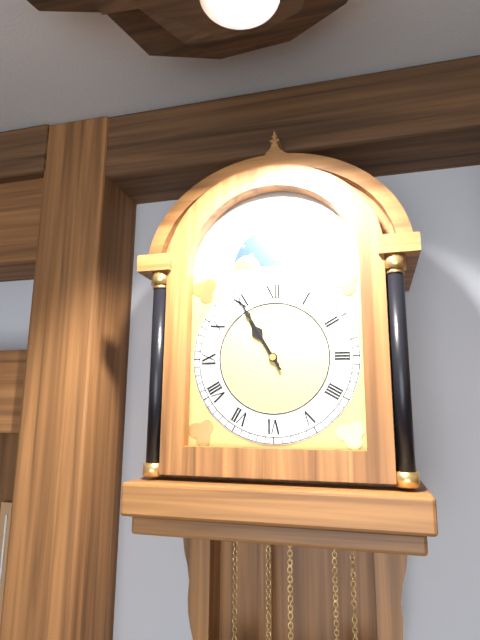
**10:55**
